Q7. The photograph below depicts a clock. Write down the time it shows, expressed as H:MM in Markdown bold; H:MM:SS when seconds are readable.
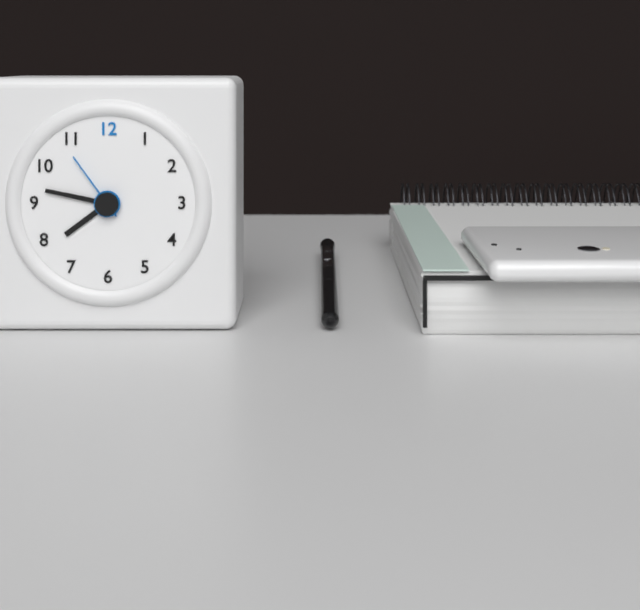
**7:47:54**
